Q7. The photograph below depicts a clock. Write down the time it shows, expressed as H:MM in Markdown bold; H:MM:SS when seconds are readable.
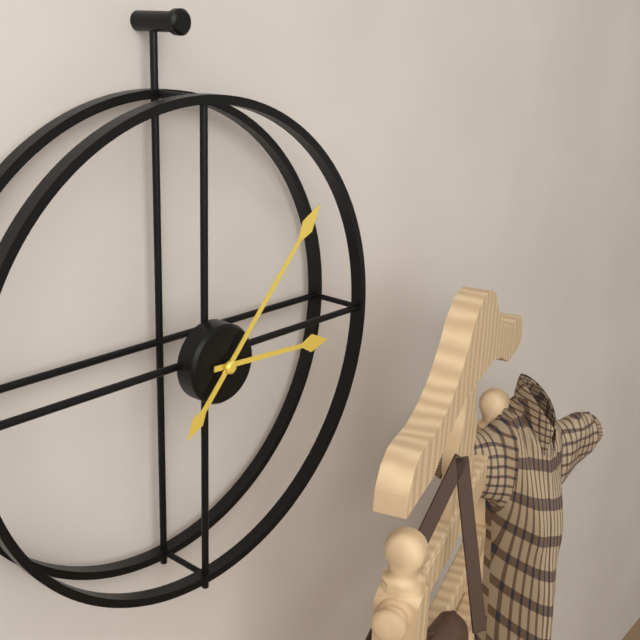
**3:07**
